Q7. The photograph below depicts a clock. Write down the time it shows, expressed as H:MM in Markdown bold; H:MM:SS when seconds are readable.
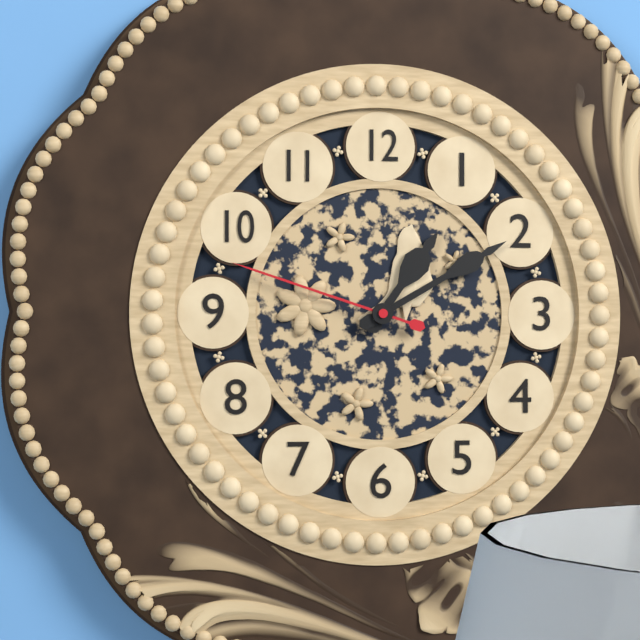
**1:10:48**
